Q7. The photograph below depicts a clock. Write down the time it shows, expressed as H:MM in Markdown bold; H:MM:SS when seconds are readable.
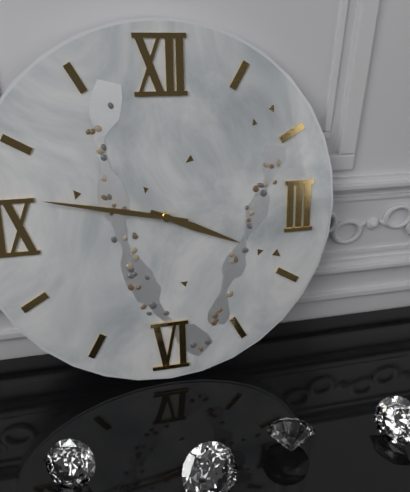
**3:47**
